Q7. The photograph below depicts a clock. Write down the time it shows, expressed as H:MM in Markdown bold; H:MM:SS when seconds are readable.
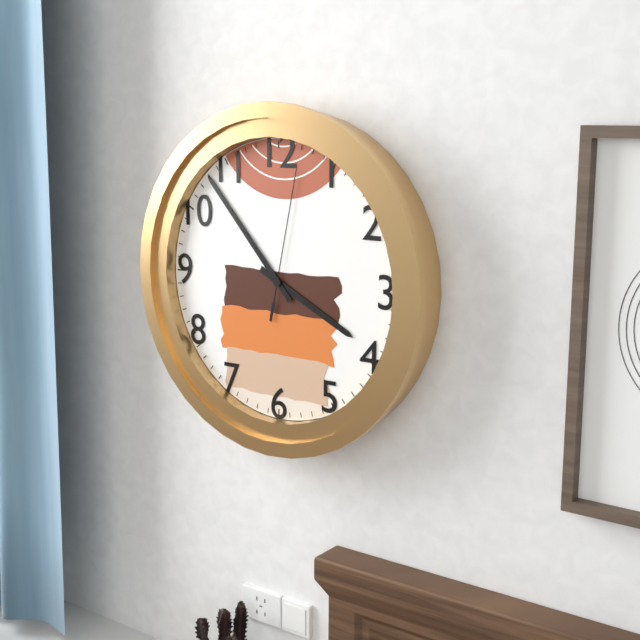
**3:53:02**
